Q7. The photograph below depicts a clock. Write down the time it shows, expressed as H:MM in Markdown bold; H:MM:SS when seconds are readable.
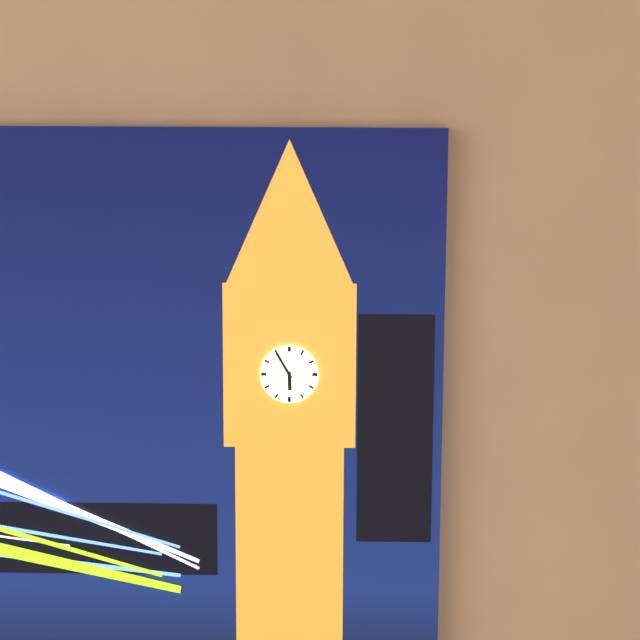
**5:55**
